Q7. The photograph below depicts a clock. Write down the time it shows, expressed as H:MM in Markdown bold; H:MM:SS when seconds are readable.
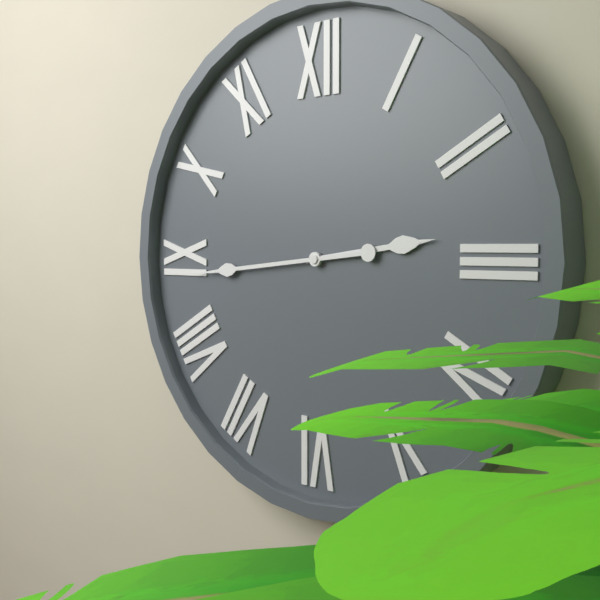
**2:44**
